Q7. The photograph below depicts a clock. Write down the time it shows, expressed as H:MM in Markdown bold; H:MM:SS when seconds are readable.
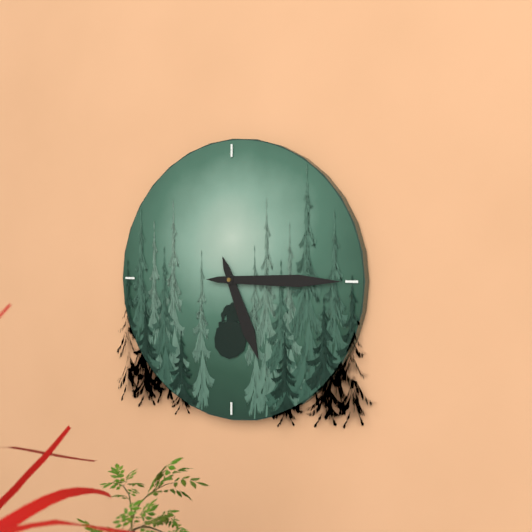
**5:15**
